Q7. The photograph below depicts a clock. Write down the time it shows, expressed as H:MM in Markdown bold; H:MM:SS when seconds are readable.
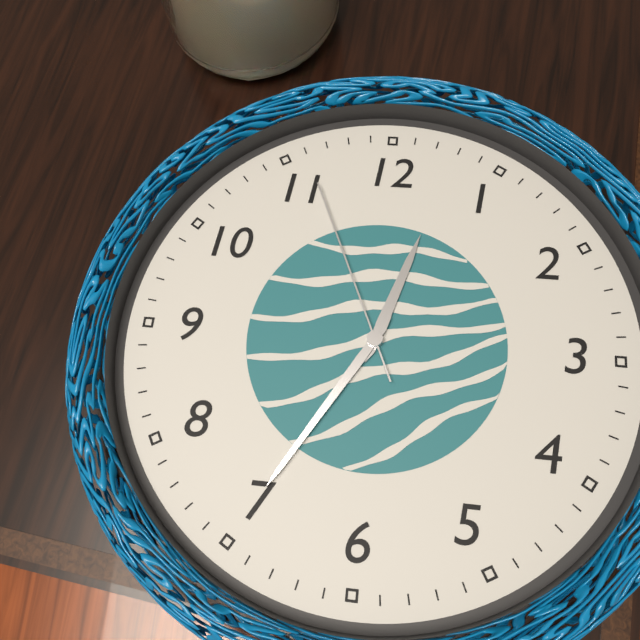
**12:35:56**
